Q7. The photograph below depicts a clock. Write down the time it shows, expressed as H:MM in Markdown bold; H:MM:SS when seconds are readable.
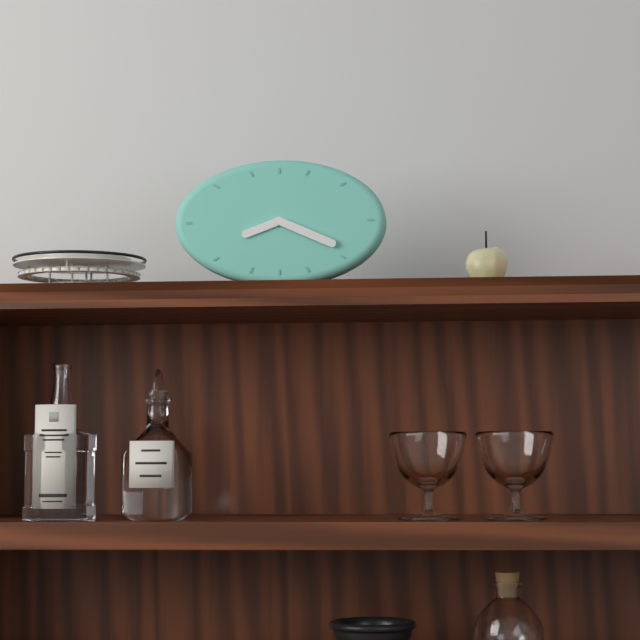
**8:19**
